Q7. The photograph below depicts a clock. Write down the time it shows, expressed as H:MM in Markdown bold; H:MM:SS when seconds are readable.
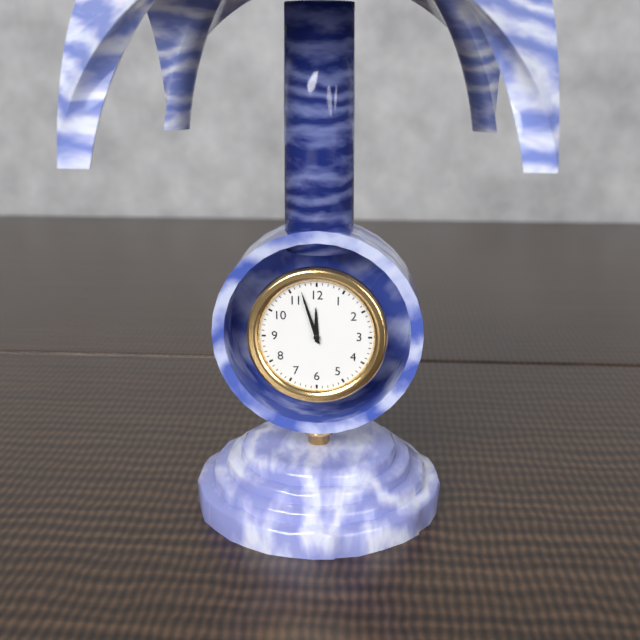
**11:57**
